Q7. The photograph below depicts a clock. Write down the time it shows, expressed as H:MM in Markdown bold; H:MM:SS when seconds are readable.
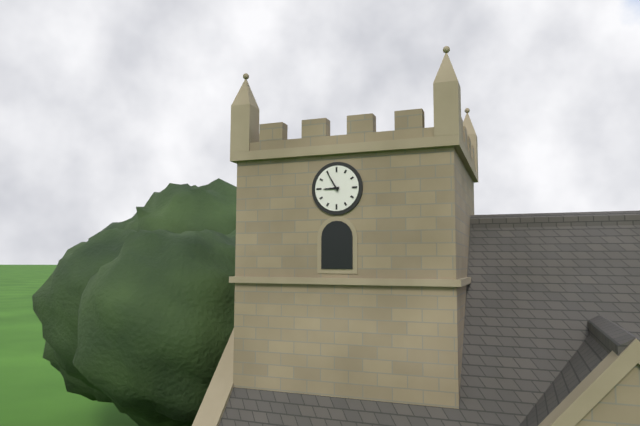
**8:55**
